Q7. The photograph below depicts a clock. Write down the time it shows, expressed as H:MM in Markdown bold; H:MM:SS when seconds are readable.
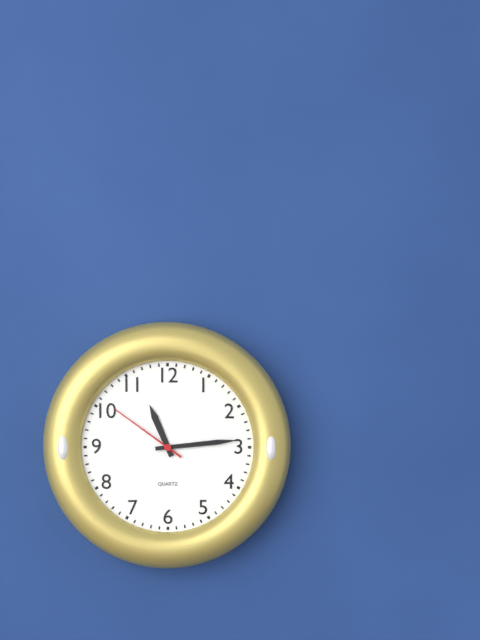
**11:14:51**
